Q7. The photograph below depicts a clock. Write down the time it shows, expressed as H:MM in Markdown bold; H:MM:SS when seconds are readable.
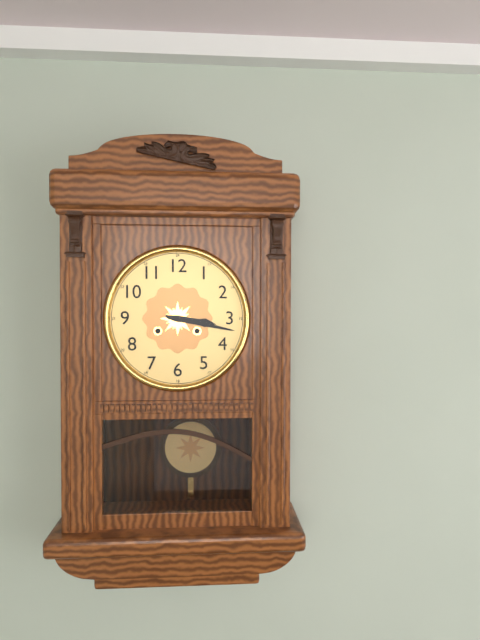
**3:17**
